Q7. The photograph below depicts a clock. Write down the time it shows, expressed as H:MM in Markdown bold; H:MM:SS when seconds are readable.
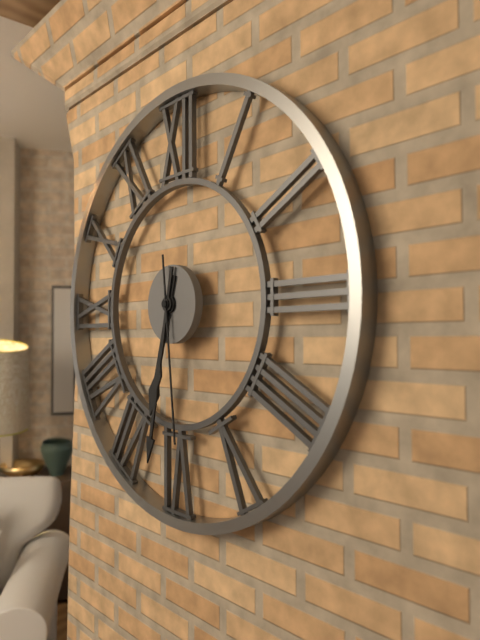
**6:32:29**
